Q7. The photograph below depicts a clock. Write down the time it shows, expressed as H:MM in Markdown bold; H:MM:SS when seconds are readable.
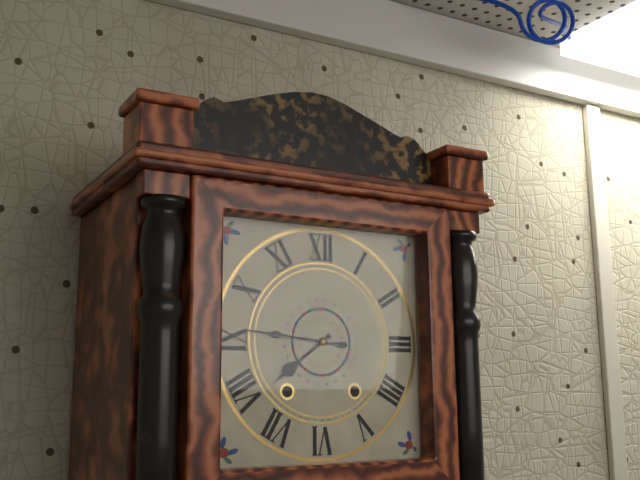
**7:46**
